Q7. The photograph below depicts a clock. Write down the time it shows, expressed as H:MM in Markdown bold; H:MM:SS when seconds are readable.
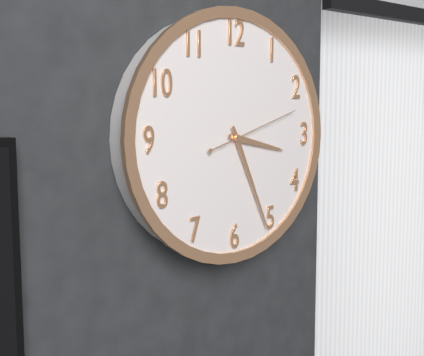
**3:26:12**
